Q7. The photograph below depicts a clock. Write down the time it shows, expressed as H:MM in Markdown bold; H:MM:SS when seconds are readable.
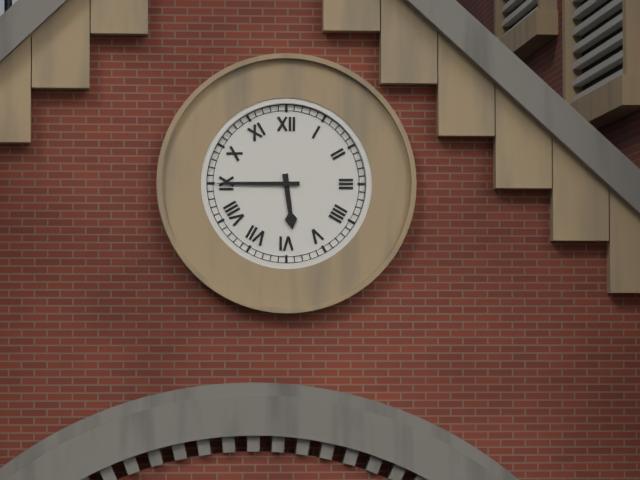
**5:45**
